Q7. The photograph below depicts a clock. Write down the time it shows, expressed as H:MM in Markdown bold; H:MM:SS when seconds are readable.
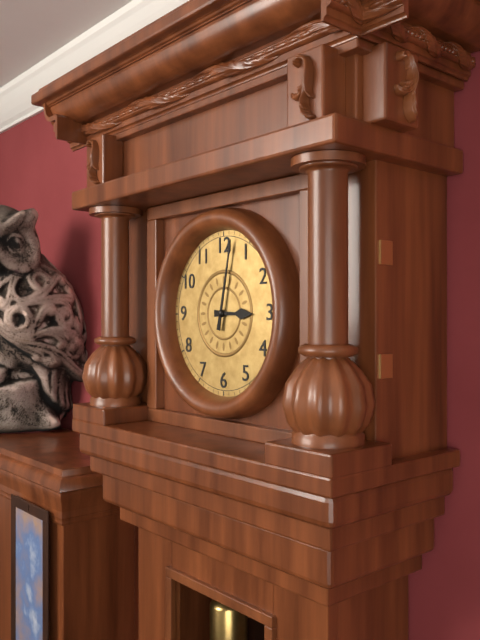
**3:02**
